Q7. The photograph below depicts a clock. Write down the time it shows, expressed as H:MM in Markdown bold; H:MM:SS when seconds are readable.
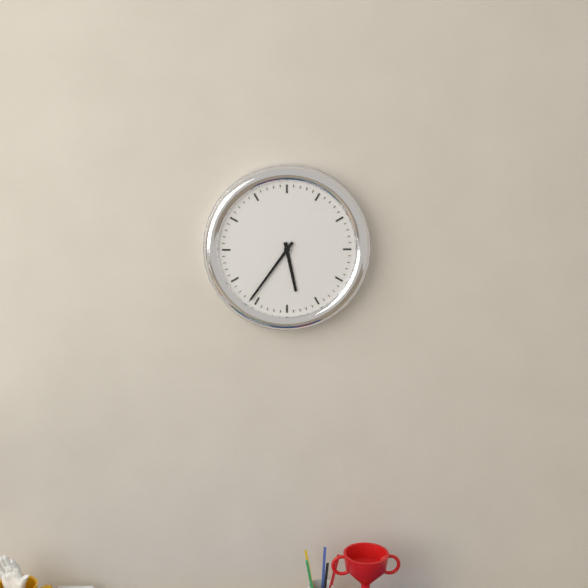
**5:36**
